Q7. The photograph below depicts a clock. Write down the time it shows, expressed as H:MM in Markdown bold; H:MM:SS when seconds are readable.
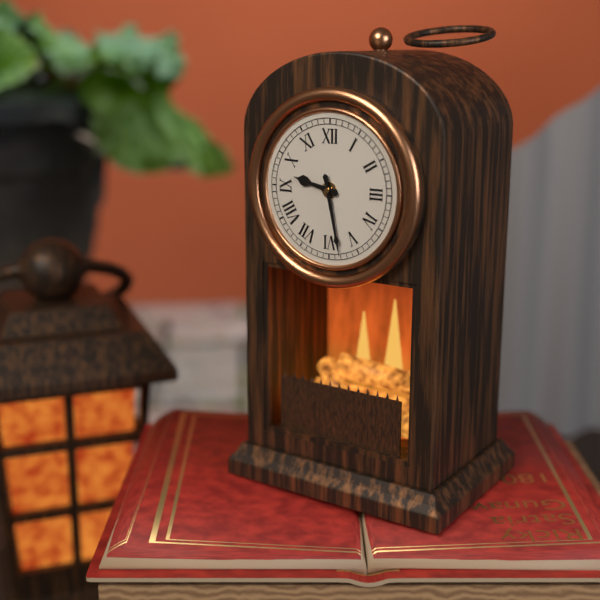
**9:28**
